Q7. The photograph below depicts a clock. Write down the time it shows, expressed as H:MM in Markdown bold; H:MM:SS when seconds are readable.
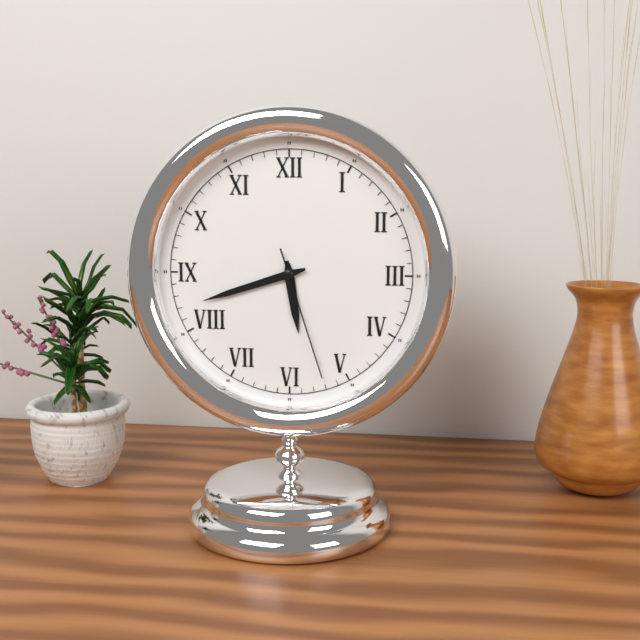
**5:42:27**
